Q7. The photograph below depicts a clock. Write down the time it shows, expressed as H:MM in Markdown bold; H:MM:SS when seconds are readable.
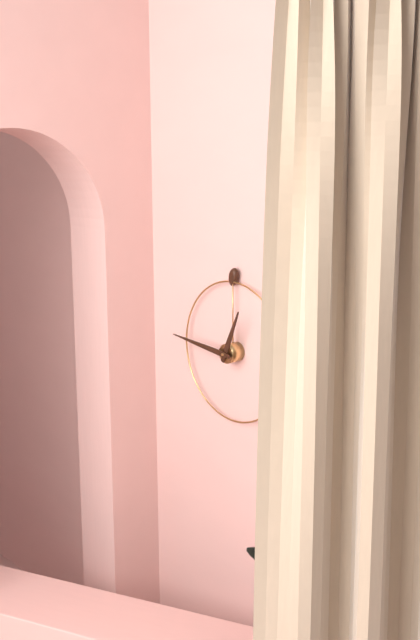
**12:46**
